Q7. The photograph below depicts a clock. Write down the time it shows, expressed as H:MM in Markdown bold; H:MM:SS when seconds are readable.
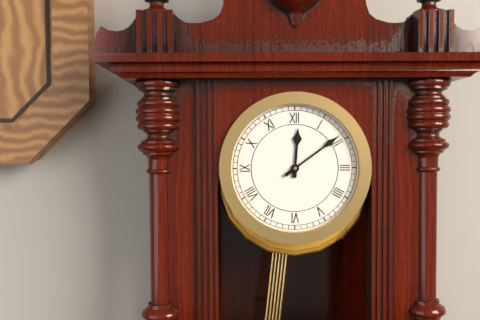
**12:09**
